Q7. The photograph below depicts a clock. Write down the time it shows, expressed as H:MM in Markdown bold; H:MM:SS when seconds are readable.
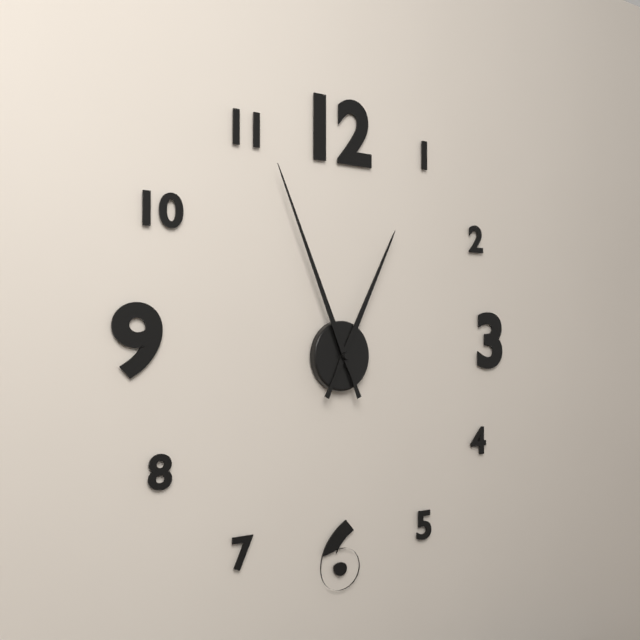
**12:56**
